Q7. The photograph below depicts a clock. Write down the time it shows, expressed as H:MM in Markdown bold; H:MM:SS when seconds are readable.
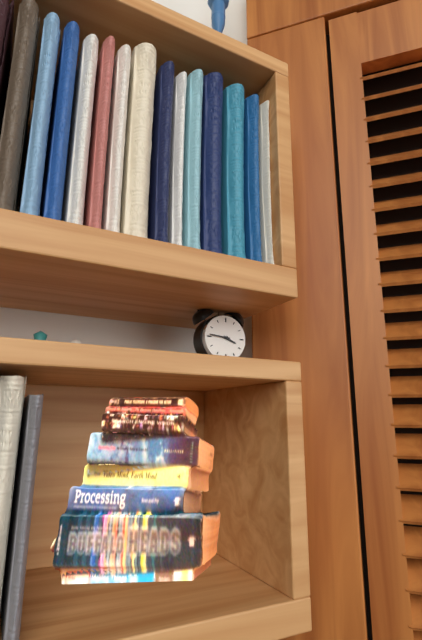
**3:46**
